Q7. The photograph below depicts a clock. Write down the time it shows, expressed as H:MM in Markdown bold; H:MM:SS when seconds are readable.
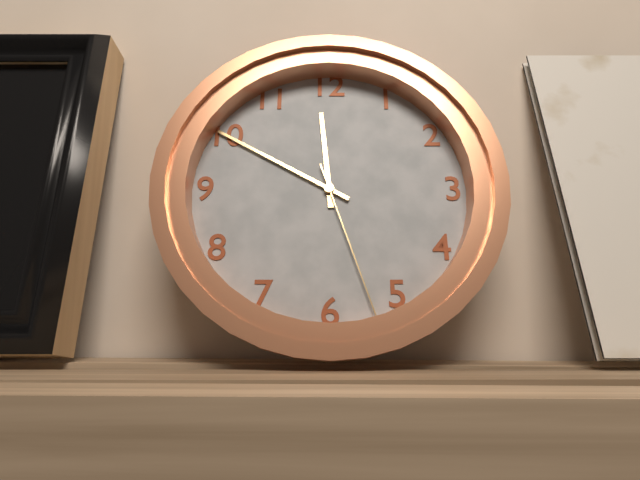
**11:50:27**
